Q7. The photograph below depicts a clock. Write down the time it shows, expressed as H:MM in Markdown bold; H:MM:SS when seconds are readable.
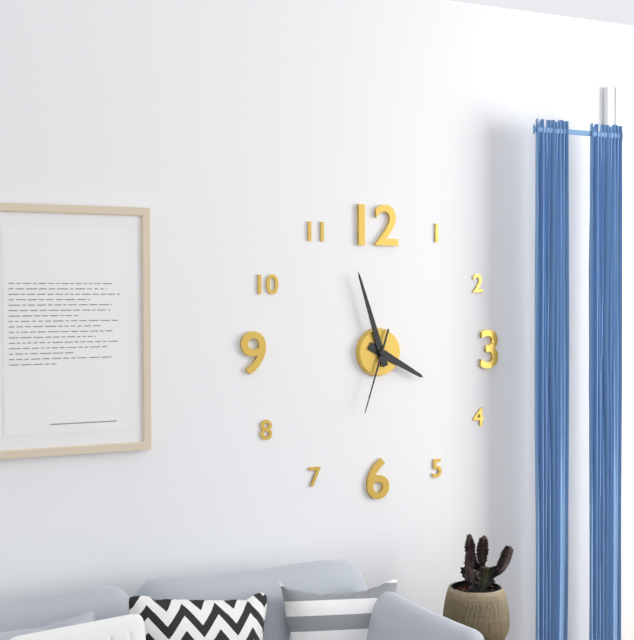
**3:57:33**
